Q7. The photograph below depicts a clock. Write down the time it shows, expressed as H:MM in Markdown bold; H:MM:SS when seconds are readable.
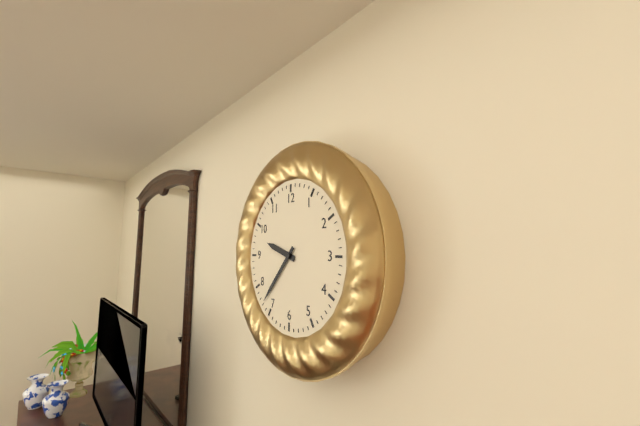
**9:37**
